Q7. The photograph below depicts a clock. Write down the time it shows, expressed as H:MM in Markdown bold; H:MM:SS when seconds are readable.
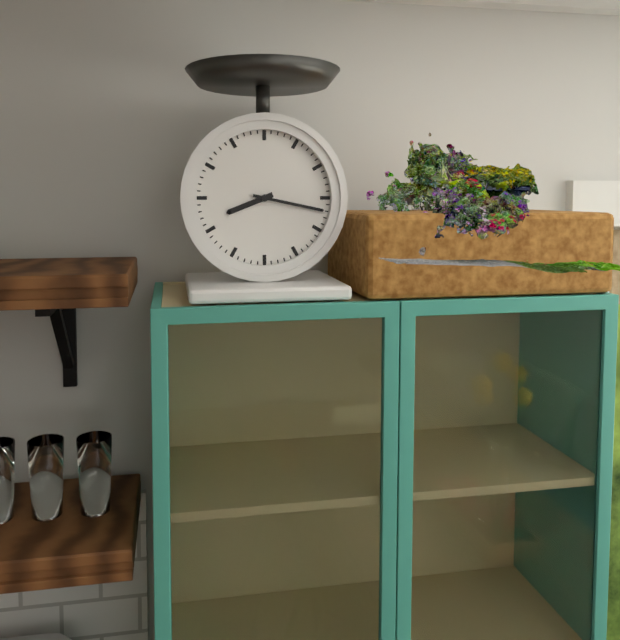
**8:17**
